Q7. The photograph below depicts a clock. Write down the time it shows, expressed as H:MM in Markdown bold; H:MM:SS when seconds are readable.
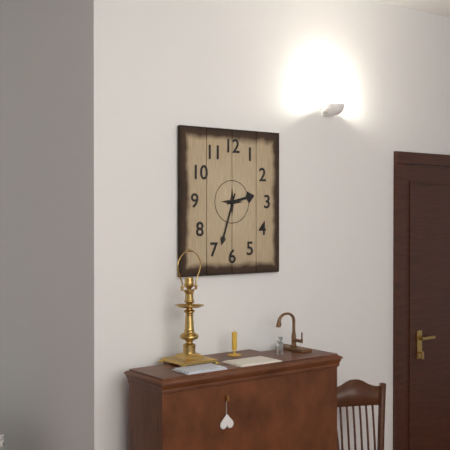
**2:33**
